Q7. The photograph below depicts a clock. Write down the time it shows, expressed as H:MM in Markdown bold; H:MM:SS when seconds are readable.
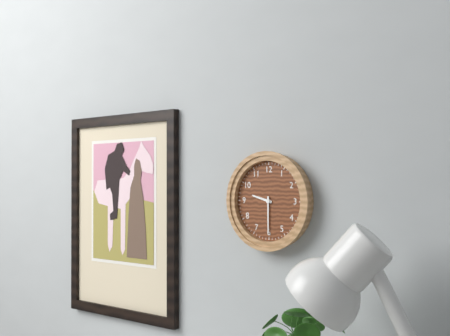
**9:30**
